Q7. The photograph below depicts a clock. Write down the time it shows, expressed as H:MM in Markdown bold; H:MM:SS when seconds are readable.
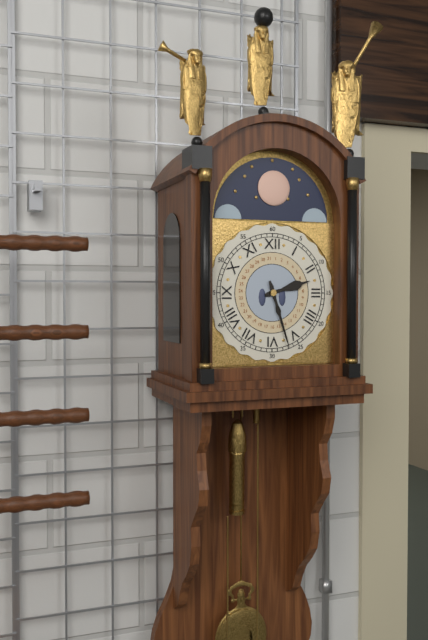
**2:27**
